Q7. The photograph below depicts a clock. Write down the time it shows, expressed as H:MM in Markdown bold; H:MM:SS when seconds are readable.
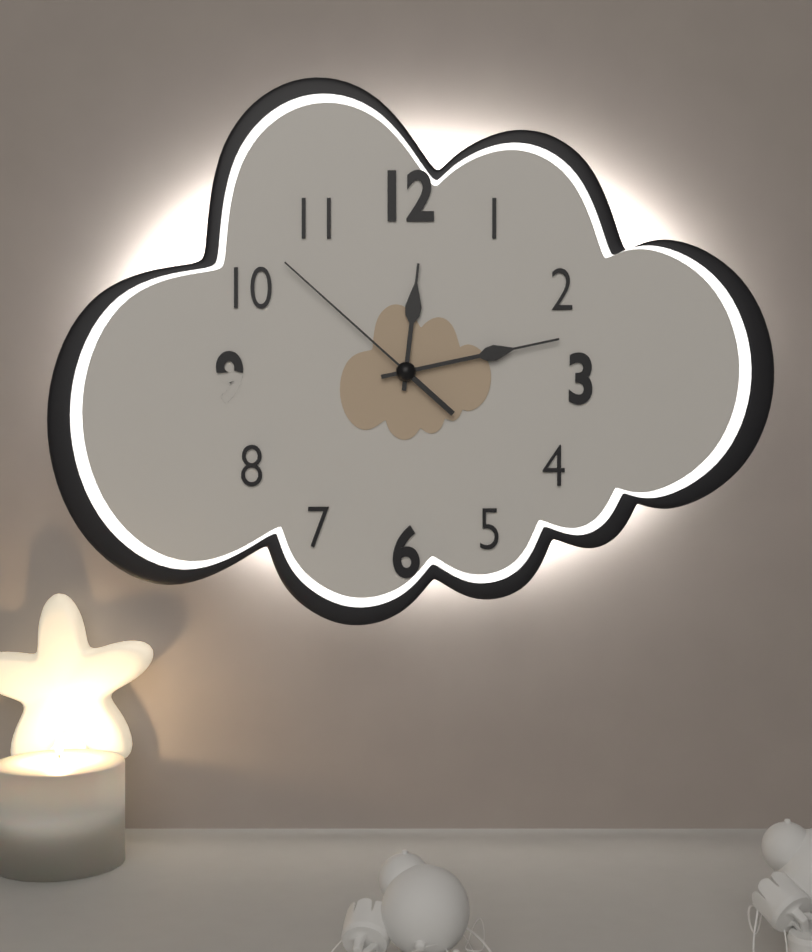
**12:13:52**
